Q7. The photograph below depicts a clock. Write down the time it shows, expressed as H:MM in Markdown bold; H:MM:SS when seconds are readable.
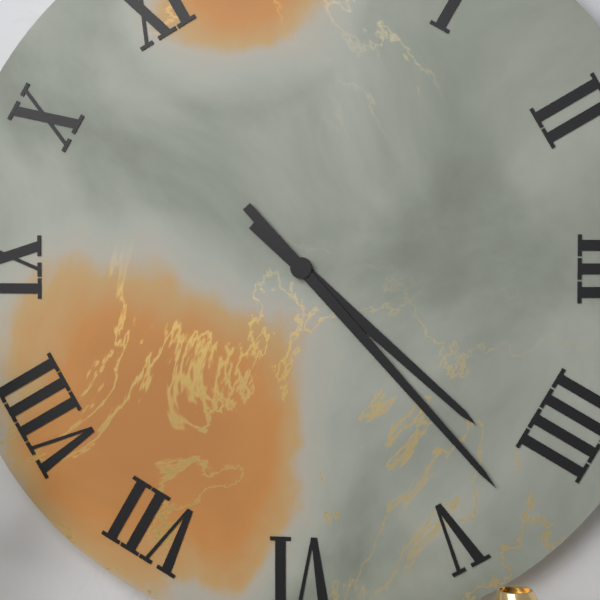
**4:23**
